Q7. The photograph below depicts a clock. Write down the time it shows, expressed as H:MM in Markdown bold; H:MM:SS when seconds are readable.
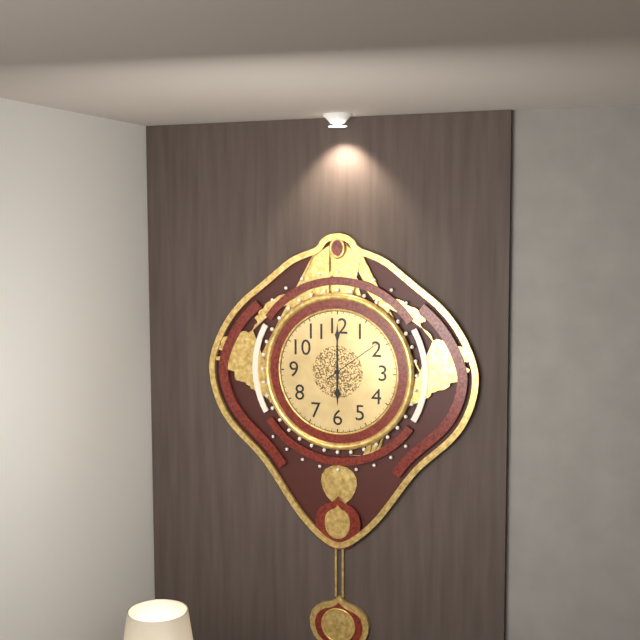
**6:00:09**
